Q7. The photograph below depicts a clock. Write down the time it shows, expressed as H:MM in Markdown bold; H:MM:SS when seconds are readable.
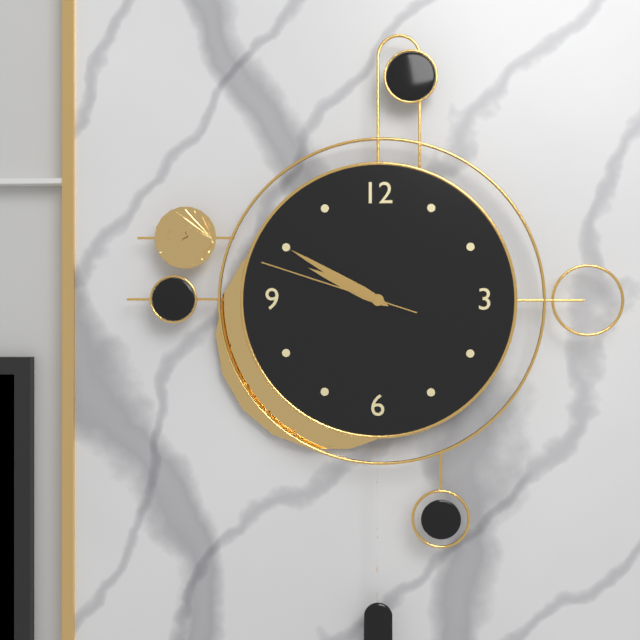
**9:50:48**
